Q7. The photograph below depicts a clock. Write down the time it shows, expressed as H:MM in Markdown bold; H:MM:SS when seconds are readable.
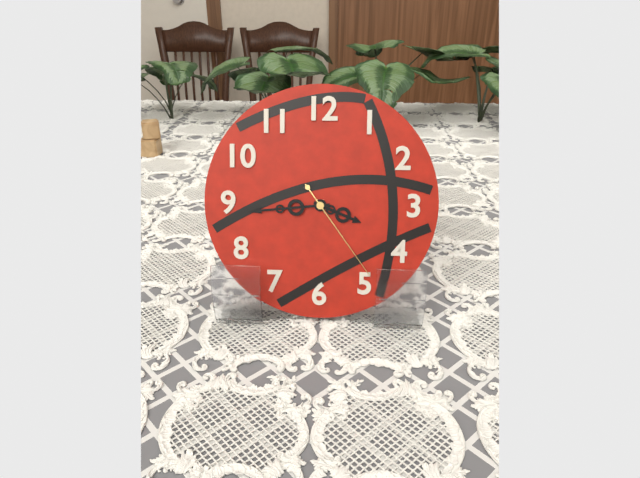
**3:44:24**
